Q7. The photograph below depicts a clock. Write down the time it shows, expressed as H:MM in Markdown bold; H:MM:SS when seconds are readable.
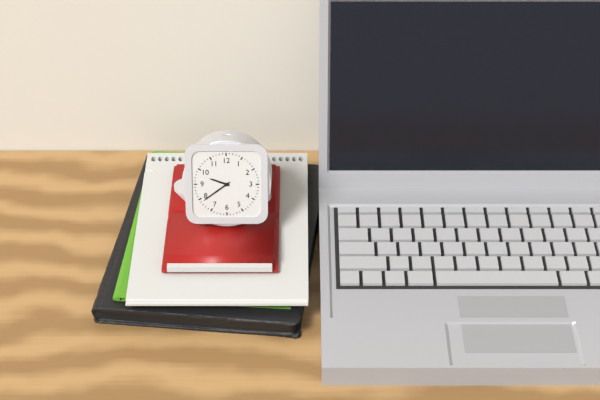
**9:39**
